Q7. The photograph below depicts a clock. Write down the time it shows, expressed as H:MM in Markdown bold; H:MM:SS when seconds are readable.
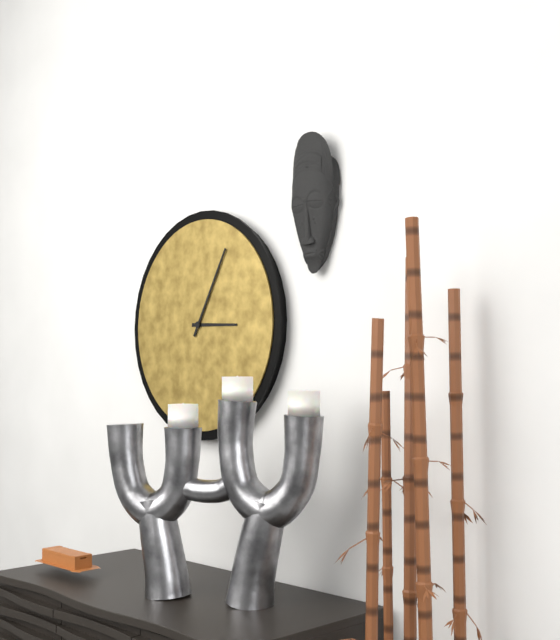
**3:05**
